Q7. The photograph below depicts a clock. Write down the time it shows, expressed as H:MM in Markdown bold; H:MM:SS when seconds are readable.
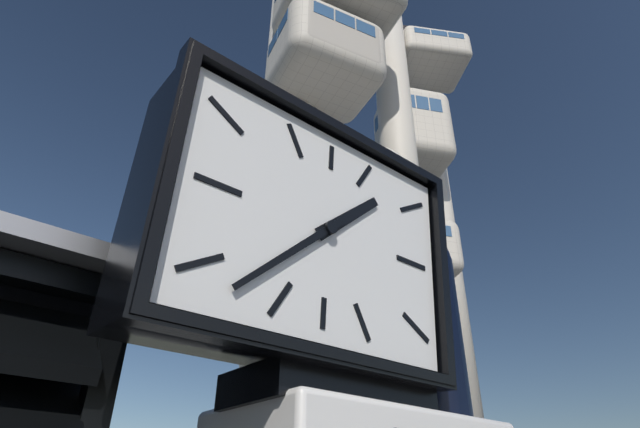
**1:38**
